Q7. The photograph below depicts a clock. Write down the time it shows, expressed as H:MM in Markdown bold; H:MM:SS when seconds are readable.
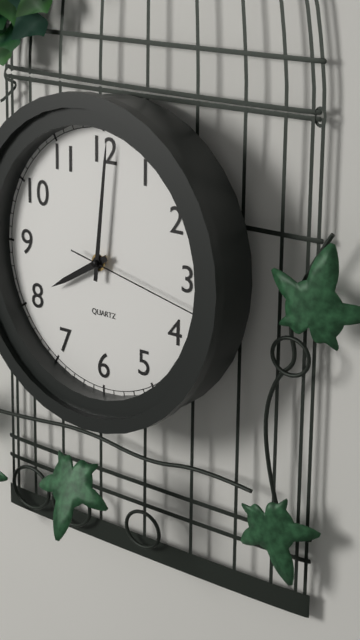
**8:01:17**
